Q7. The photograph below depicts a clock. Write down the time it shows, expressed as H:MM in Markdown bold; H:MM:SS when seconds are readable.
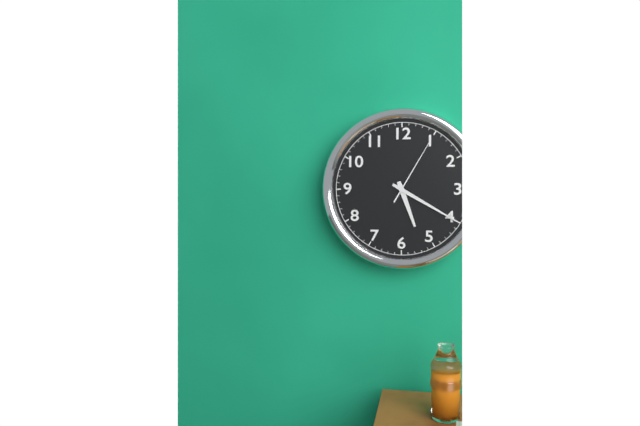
**5:20:05**
